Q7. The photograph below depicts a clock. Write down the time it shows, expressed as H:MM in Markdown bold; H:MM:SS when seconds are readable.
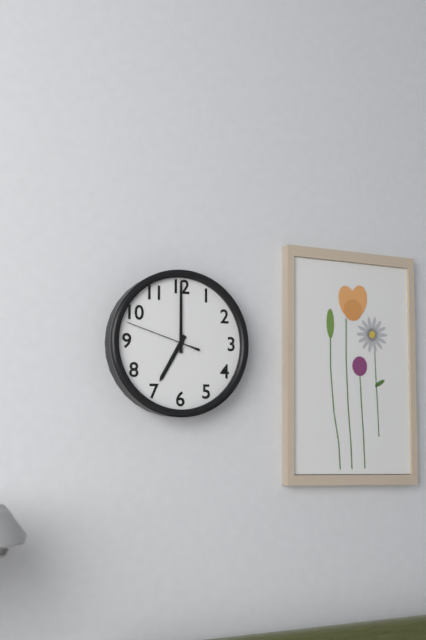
**7:00:48**
